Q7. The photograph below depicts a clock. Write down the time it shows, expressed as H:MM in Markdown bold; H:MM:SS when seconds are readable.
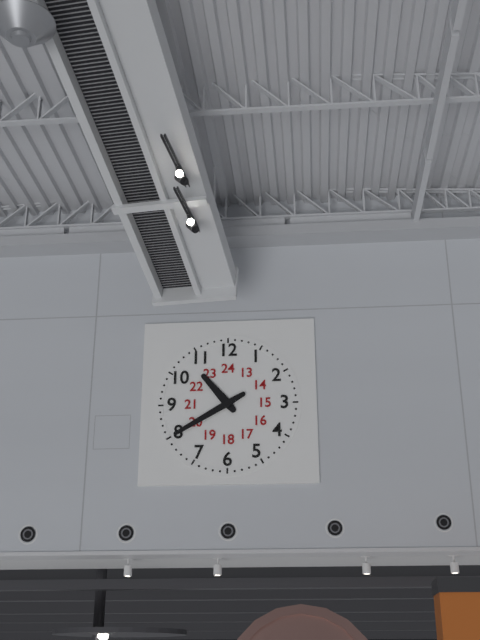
**10:40**
